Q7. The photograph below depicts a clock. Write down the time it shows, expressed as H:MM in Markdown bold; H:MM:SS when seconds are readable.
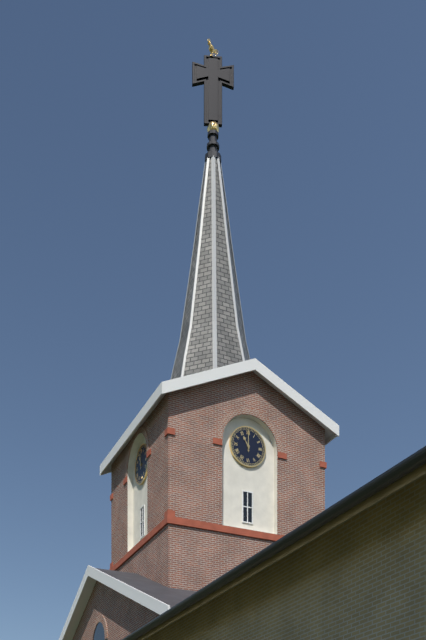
**11:00**
